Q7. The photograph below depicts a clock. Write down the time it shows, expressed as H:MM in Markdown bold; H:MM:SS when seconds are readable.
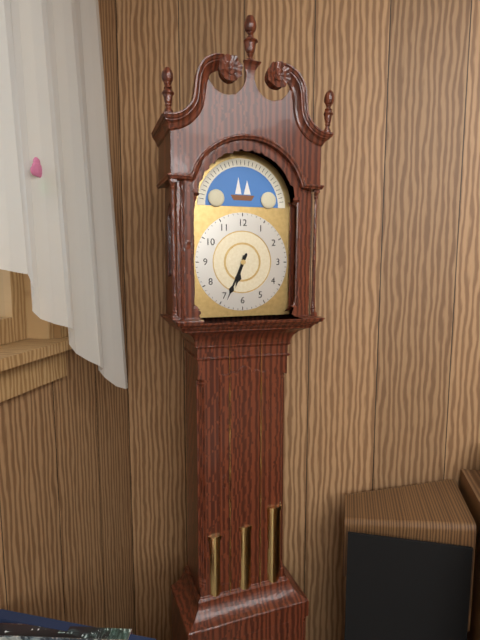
**6:34**
